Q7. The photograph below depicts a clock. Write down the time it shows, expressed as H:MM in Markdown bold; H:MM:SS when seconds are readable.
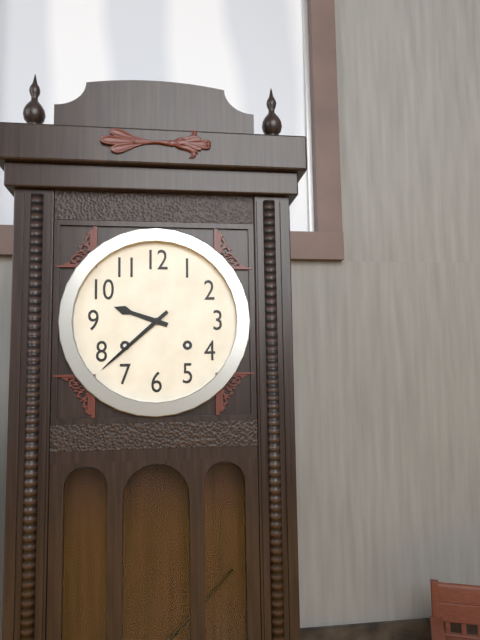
**9:38**
